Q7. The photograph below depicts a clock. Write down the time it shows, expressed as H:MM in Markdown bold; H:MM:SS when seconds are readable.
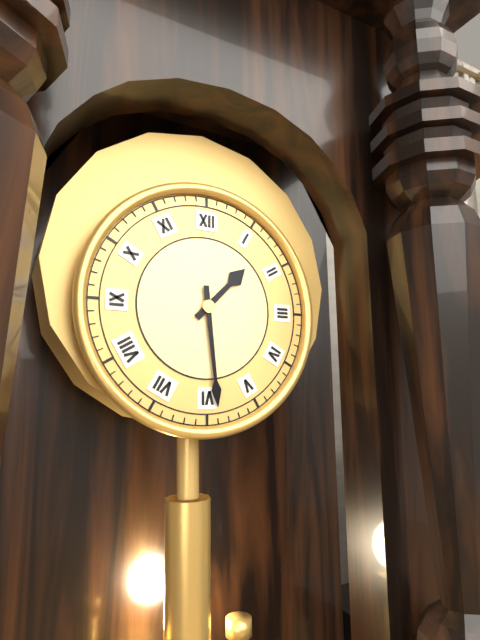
**1:29**
